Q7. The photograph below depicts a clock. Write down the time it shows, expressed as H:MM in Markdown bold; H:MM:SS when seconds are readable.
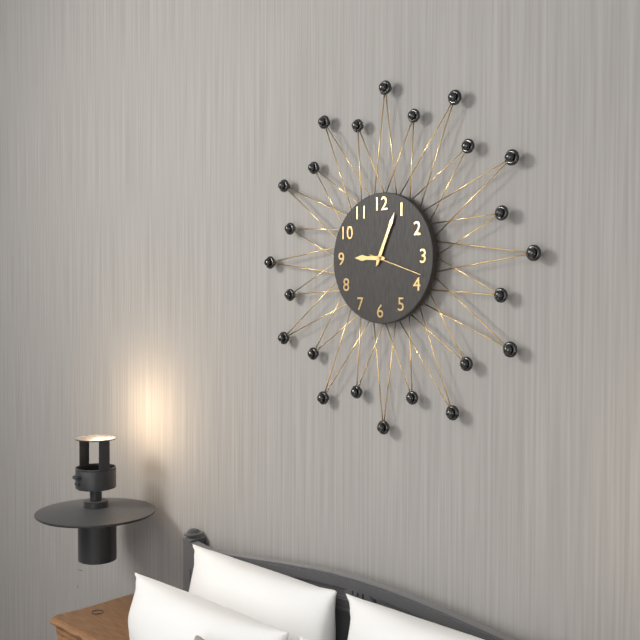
**9:04**
